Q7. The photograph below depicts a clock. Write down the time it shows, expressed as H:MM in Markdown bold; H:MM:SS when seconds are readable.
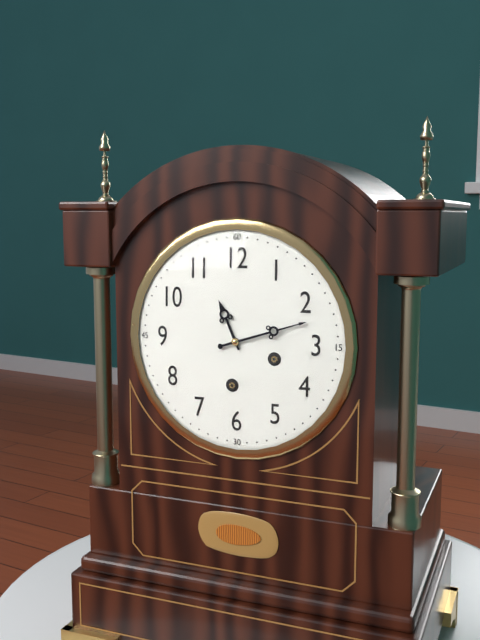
**11:12**
